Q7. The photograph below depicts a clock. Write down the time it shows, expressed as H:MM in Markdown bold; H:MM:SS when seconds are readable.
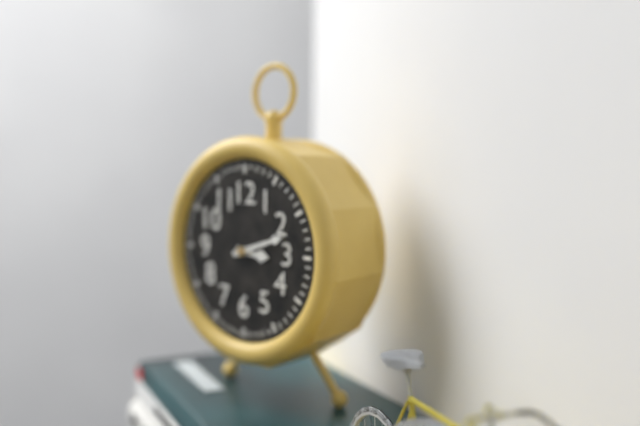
**3:12**
